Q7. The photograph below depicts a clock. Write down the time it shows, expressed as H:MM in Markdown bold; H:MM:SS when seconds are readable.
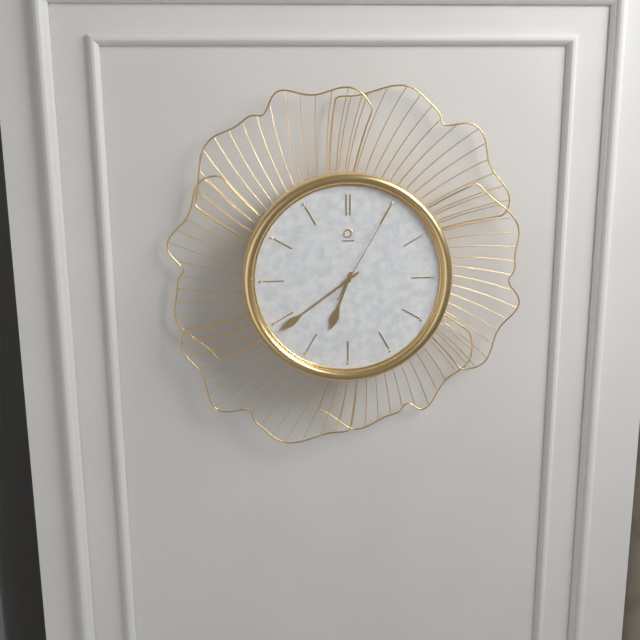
**6:39:05**
